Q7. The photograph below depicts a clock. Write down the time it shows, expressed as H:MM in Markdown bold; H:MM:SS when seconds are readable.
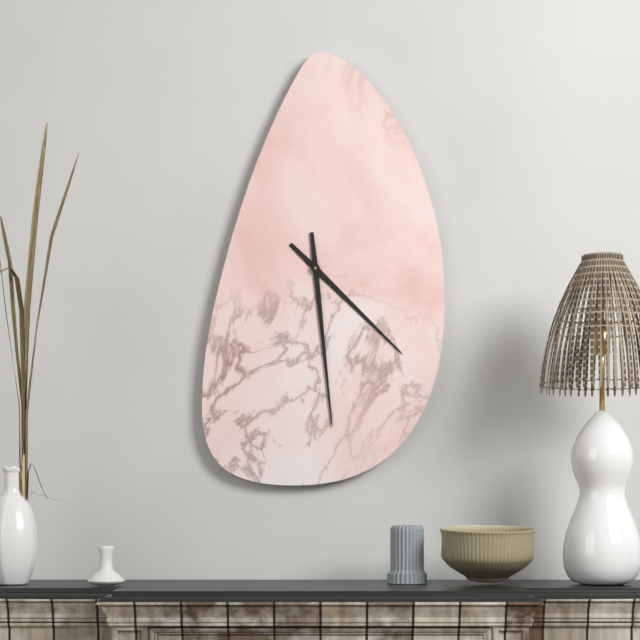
**4:29**
